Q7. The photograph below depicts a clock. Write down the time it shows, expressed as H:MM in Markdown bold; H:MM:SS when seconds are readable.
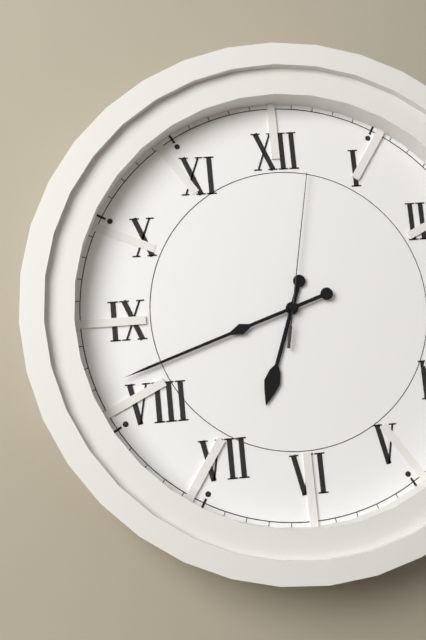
**6:42:02**
